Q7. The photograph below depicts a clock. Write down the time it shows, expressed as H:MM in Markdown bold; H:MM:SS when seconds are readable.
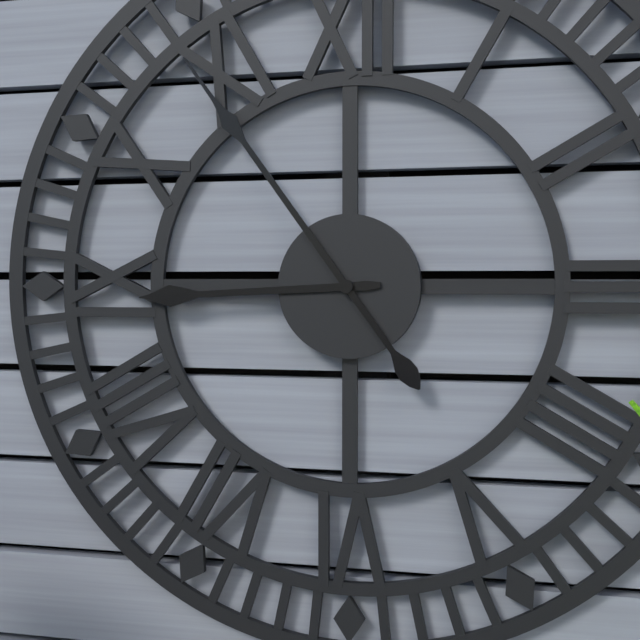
**8:54**
